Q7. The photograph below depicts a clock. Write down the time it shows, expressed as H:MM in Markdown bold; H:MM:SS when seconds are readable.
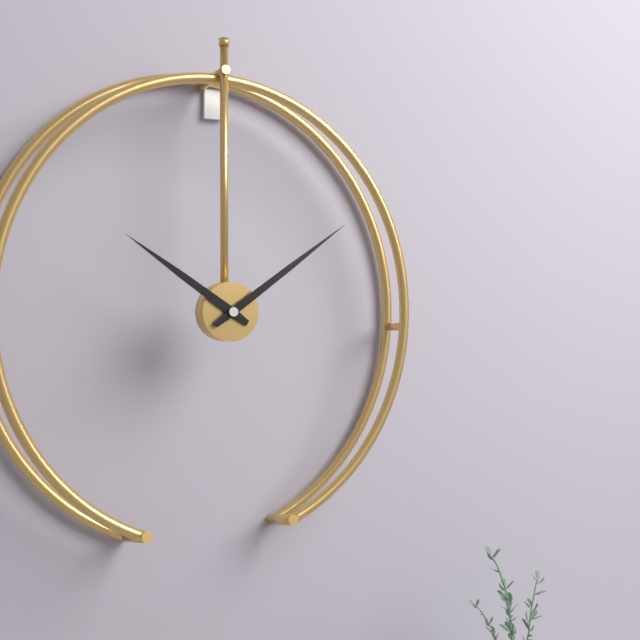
**10:09**
